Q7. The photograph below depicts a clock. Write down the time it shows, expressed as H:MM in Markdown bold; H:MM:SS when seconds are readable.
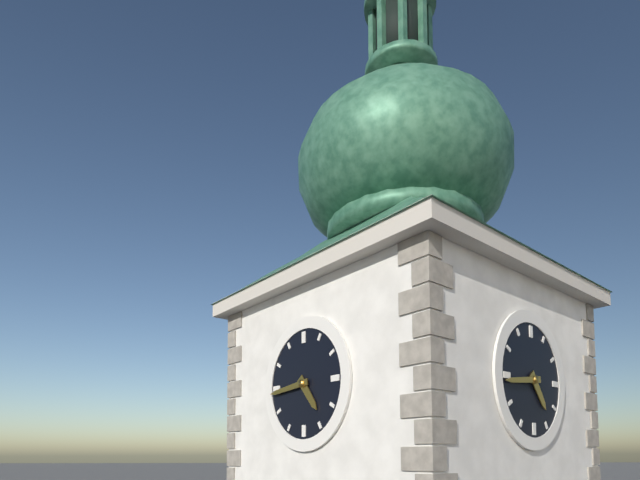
**4:44**
